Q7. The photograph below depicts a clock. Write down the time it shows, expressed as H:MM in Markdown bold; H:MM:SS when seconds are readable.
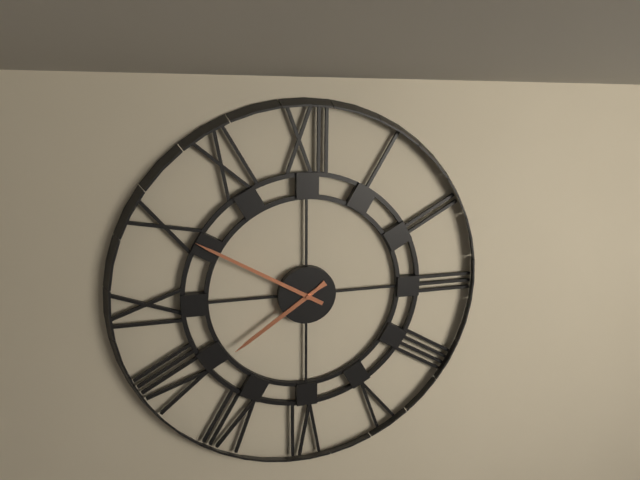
**7:50**
